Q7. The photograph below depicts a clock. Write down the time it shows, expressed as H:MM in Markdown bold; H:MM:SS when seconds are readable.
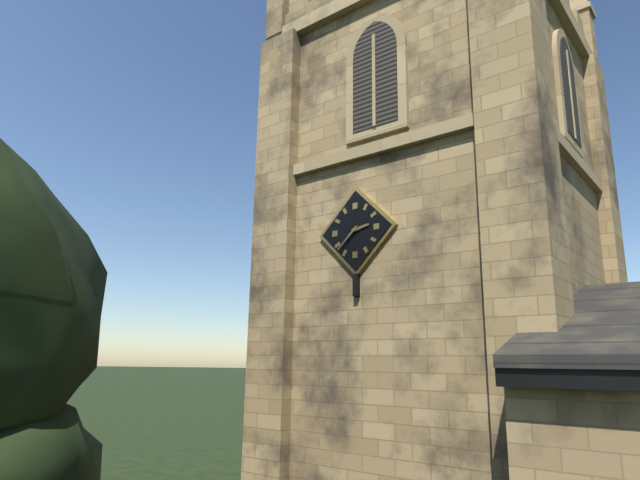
**2:38**
